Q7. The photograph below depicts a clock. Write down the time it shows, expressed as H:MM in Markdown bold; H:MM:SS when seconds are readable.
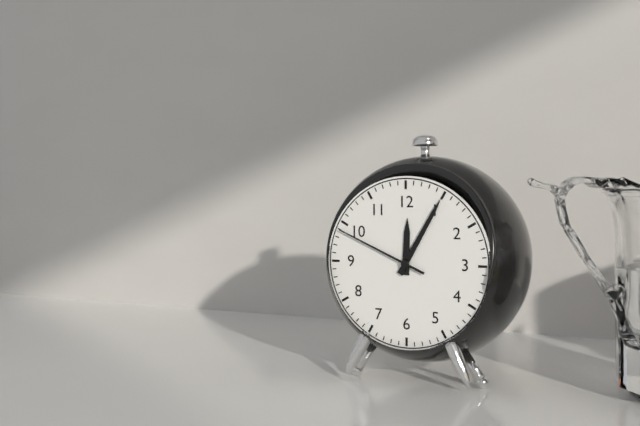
**12:05:49**
